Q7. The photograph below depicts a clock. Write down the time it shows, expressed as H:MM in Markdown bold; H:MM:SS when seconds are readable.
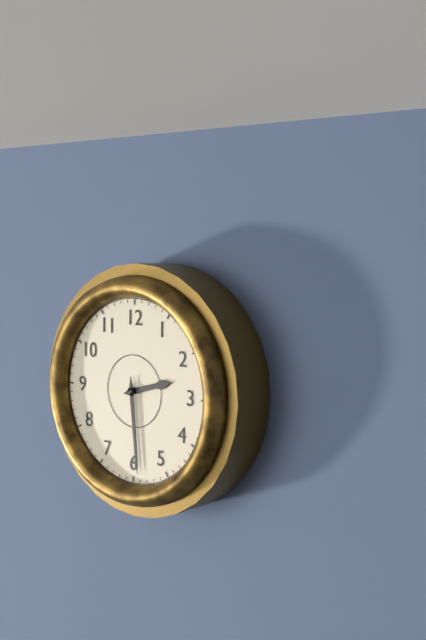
**2:29**
